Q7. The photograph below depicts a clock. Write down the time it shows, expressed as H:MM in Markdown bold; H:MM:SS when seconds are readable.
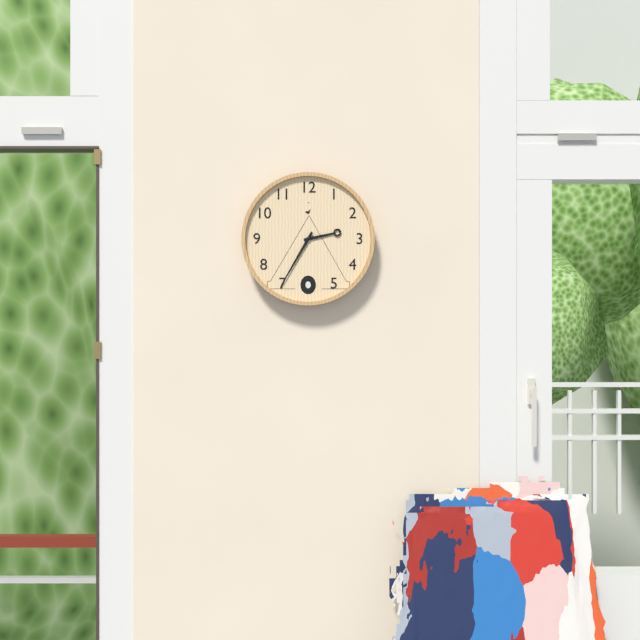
**2:35**
